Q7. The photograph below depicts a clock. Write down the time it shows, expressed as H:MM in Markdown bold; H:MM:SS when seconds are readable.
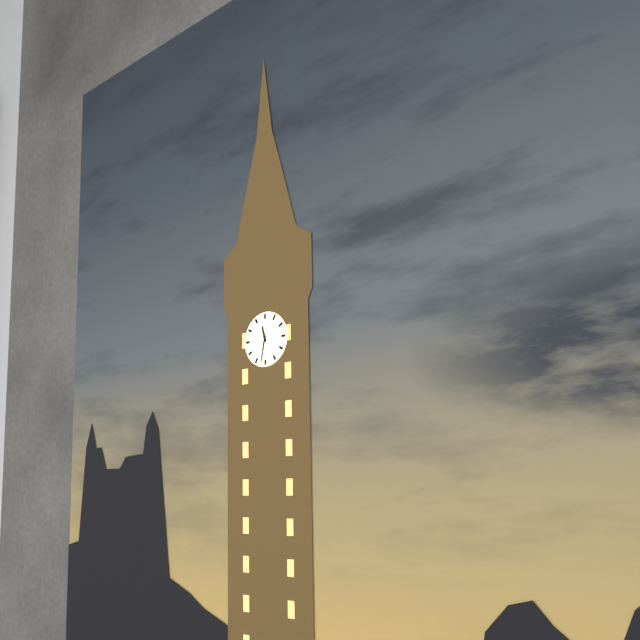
**11:32**
